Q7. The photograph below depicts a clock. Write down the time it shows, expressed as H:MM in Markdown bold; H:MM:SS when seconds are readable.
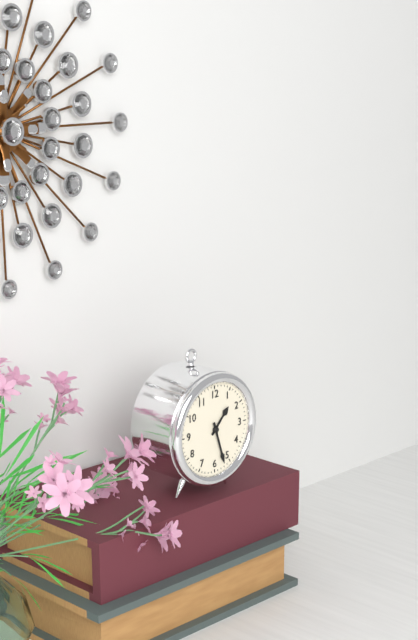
**1:27**
